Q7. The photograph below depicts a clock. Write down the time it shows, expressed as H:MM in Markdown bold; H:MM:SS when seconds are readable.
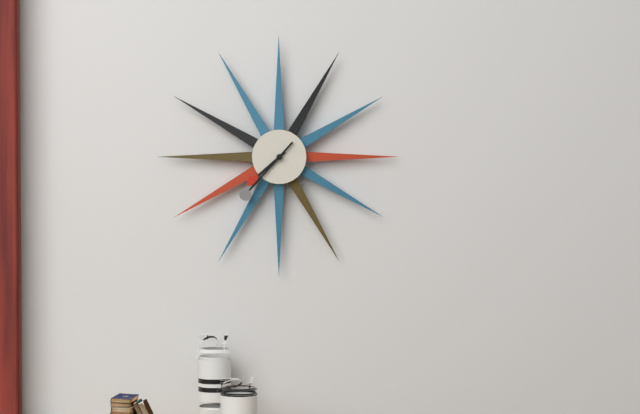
**7:37**
